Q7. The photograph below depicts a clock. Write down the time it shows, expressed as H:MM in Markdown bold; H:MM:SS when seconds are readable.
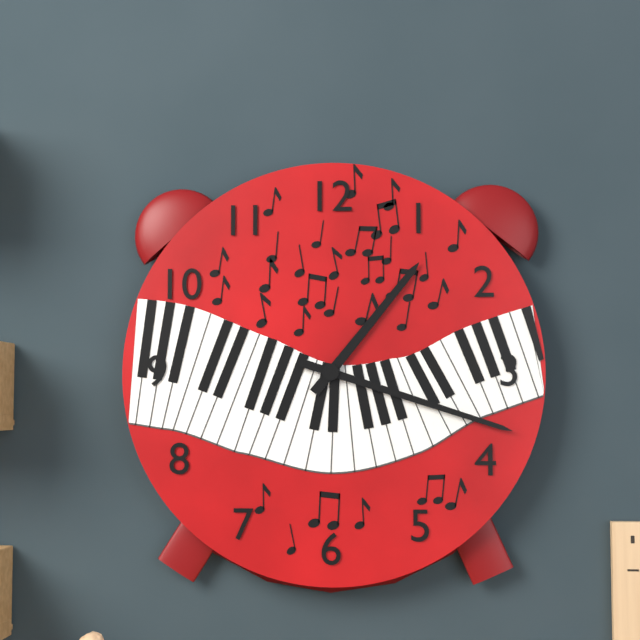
**1:18**
